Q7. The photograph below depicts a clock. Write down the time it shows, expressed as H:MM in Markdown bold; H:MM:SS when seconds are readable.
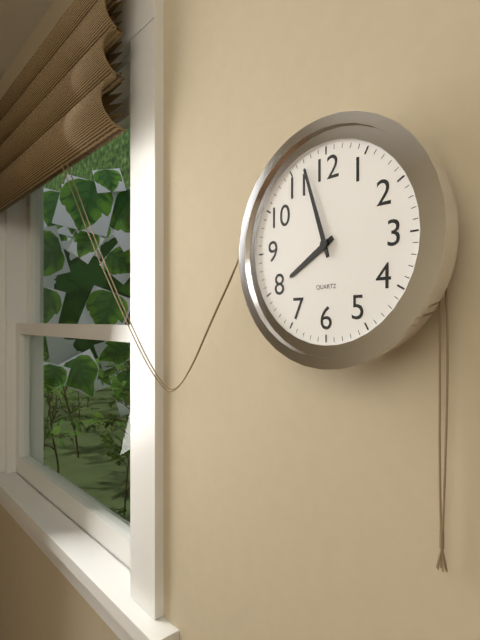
**7:57**
